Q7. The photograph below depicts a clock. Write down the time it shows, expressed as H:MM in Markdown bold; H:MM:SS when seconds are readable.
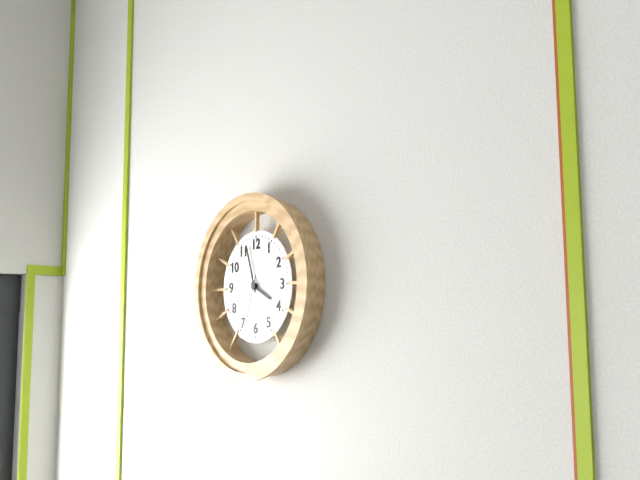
**3:57:33**
